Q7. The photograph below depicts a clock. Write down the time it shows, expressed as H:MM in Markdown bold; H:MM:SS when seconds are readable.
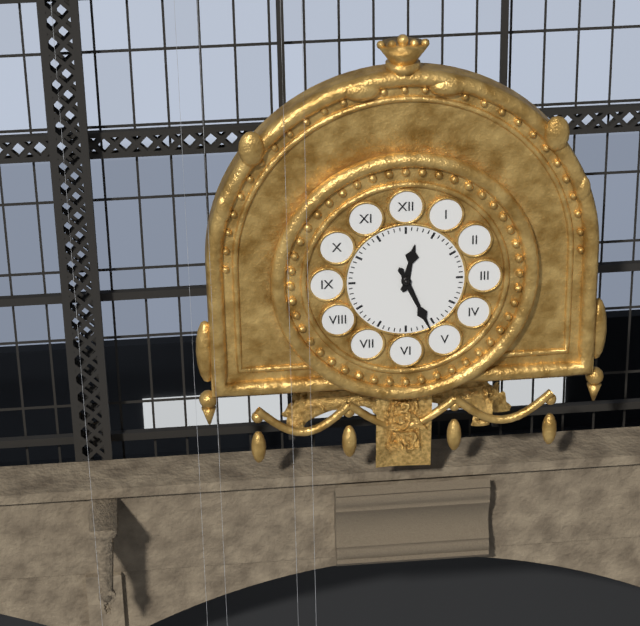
**12:26**
